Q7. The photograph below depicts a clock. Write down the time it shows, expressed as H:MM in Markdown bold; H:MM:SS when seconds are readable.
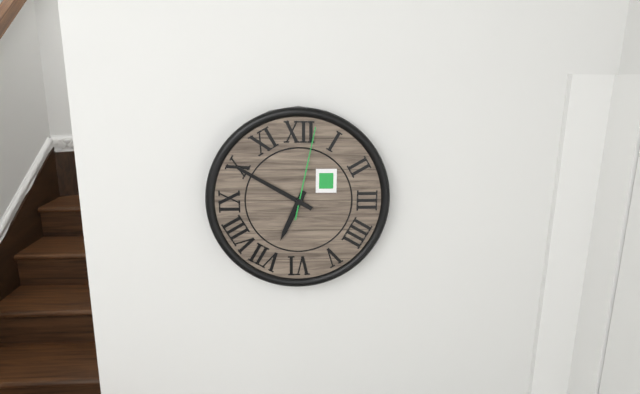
**6:50:02**
